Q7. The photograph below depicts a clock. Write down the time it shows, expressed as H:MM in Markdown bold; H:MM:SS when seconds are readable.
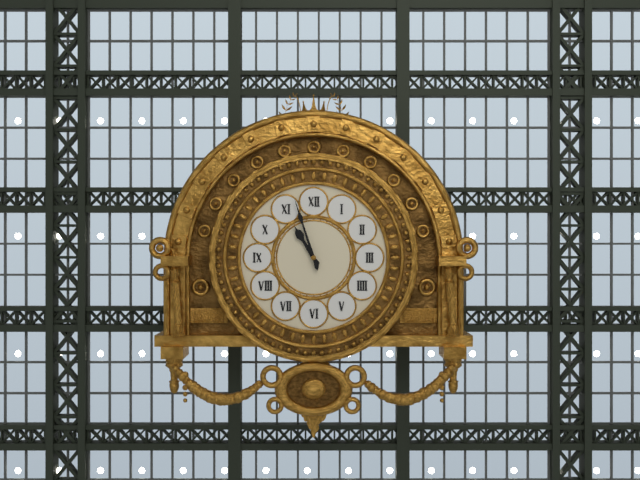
**10:57**
